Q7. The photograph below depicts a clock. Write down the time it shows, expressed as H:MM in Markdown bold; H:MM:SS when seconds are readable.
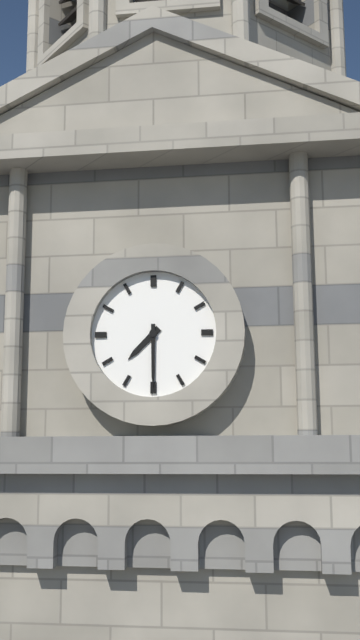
**7:30**
